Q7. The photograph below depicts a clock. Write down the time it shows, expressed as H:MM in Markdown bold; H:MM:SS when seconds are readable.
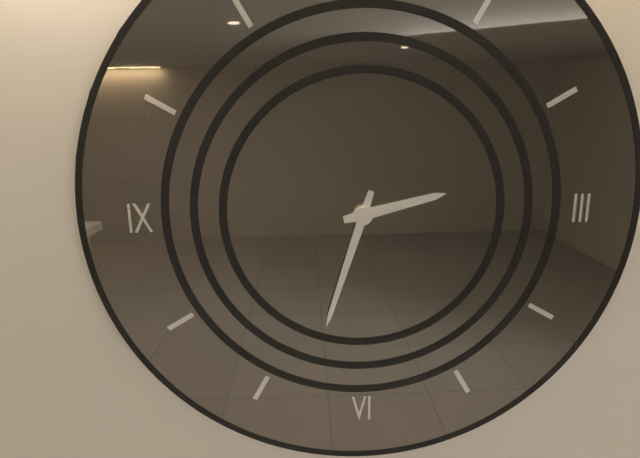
**2:33**
